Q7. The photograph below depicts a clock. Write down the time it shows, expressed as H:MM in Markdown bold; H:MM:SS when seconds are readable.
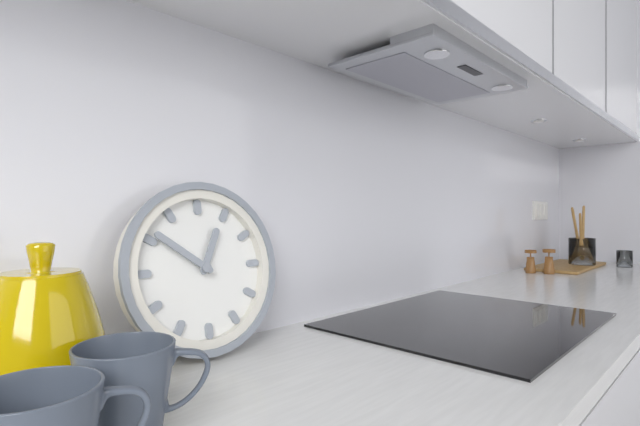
**12:51**
